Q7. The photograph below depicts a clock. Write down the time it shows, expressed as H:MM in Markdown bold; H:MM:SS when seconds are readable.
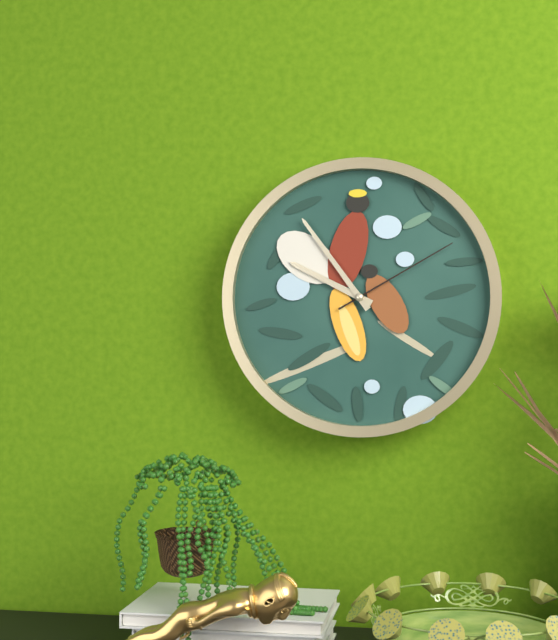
**9:54:10**
